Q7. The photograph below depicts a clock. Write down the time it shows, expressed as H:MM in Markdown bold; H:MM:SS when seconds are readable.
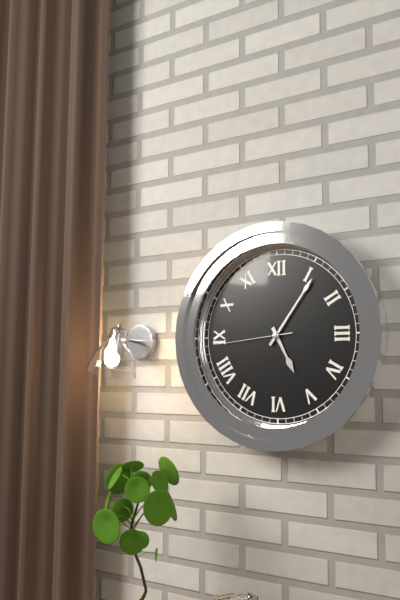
**5:06:44**
